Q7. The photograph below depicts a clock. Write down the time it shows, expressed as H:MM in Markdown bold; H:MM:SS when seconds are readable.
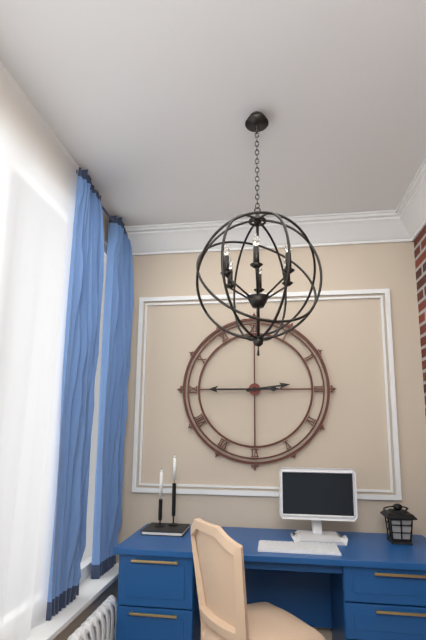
**2:45**
